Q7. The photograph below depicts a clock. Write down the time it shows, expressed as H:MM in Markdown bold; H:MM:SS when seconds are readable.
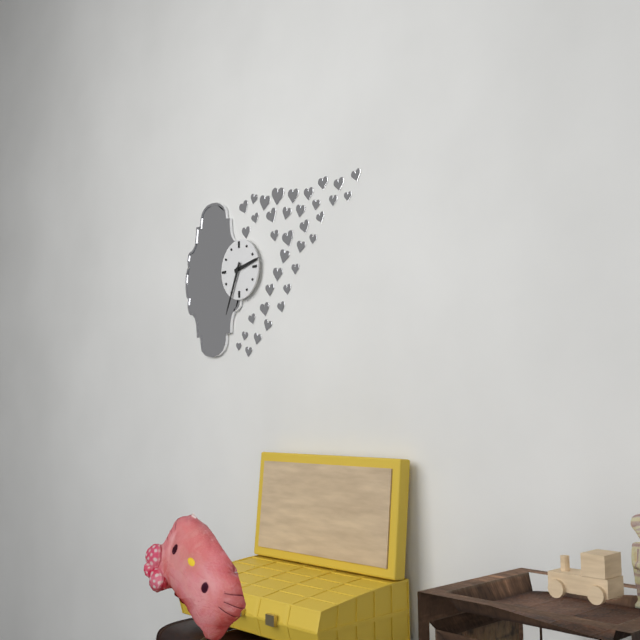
**2:34**
